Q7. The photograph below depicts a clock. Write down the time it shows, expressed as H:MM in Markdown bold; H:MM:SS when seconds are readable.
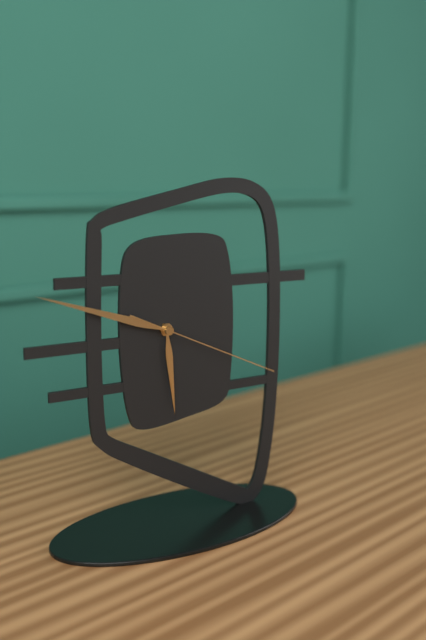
**5:48:19**
